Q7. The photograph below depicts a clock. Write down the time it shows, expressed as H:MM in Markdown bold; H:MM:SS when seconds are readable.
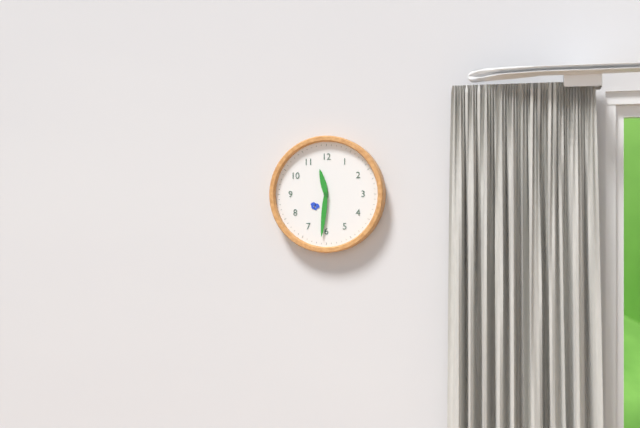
**11:31**
